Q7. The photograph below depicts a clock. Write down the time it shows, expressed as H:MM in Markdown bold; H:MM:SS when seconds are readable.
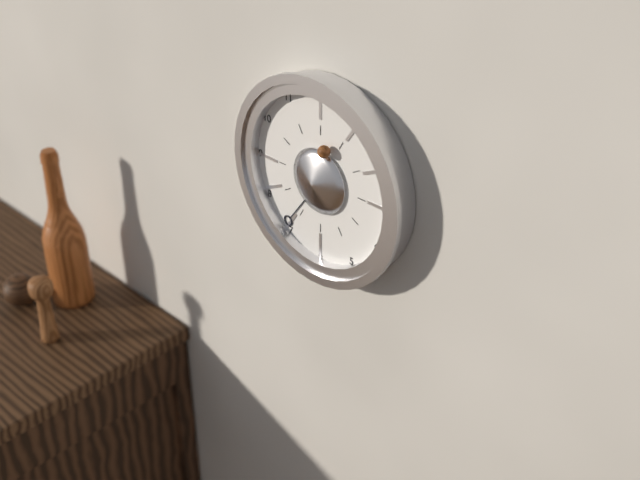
**12:36**
